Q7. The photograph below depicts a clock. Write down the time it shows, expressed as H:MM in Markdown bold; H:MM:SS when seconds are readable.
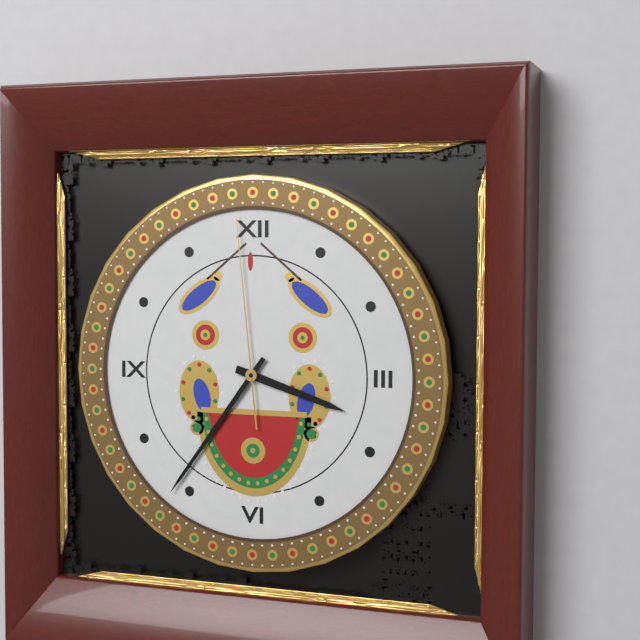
**3:36:59**
